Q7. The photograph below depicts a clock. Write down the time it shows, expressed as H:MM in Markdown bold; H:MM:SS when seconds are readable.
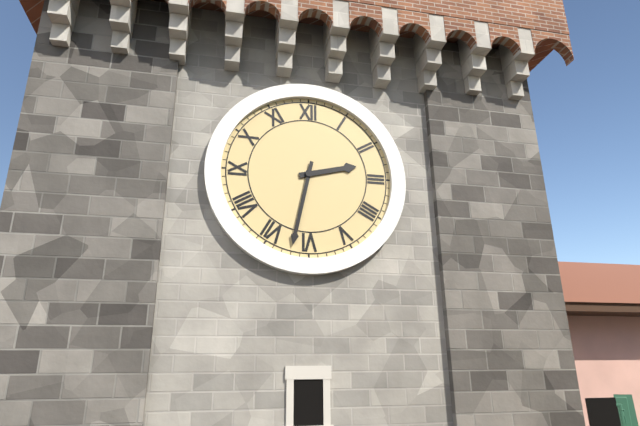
**2:32**
